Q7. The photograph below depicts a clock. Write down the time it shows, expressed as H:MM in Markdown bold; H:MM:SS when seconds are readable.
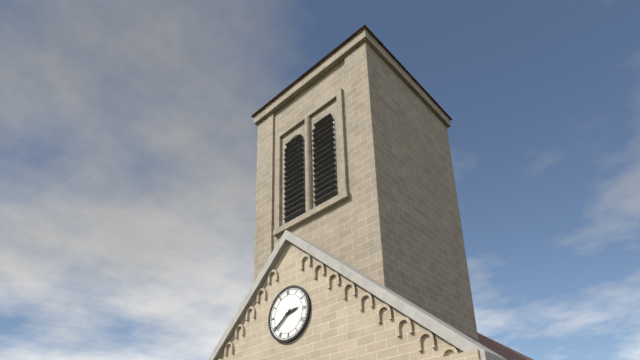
**2:39**
